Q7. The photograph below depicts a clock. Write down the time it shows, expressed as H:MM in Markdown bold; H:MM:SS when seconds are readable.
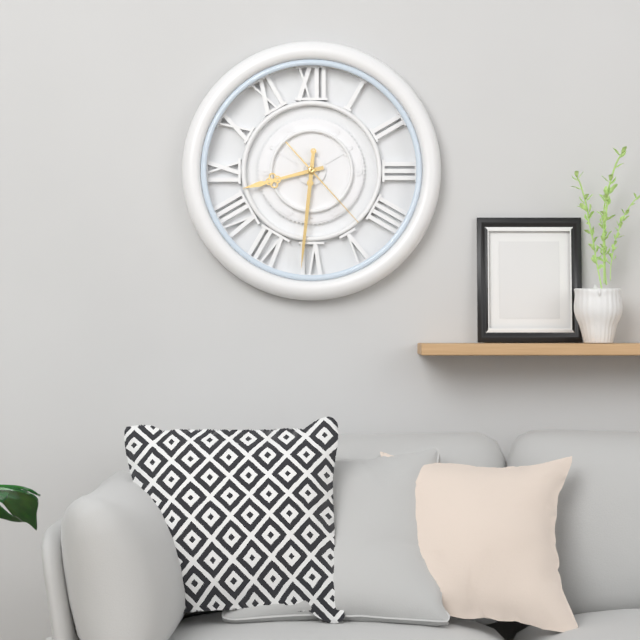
**8:31:23**
